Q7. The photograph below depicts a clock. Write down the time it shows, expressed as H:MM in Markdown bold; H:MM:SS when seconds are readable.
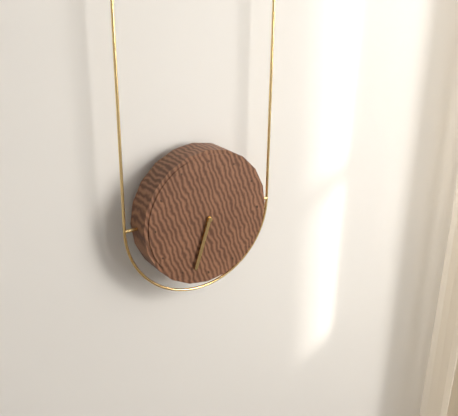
**6:33**
